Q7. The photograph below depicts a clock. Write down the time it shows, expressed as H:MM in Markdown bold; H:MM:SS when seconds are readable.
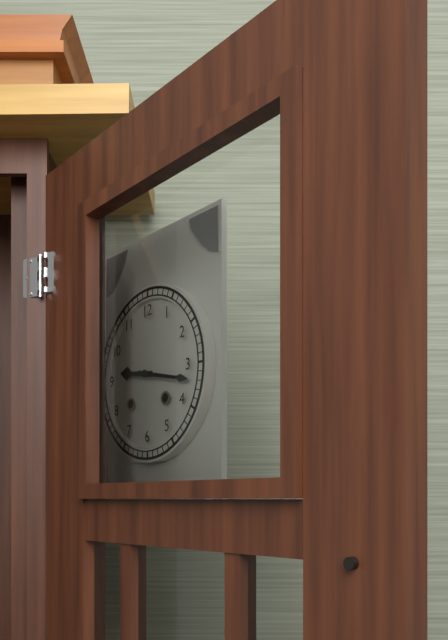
**9:17**
